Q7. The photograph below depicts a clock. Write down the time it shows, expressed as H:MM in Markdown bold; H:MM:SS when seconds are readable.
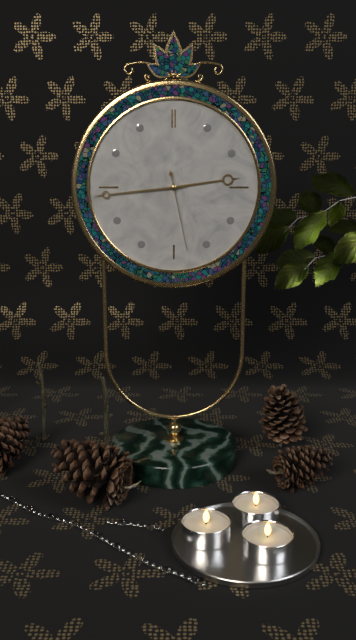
**2:44:28**
